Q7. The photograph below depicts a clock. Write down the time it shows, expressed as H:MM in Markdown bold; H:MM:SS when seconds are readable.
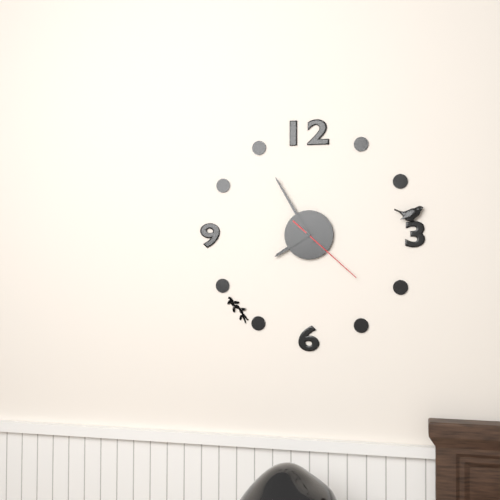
**7:55:22**
